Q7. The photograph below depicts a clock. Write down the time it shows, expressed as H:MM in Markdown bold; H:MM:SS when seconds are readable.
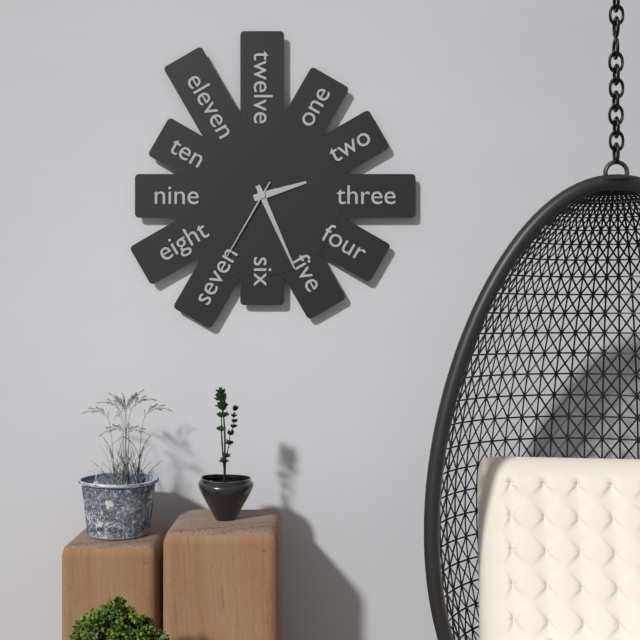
**2:26:35**
